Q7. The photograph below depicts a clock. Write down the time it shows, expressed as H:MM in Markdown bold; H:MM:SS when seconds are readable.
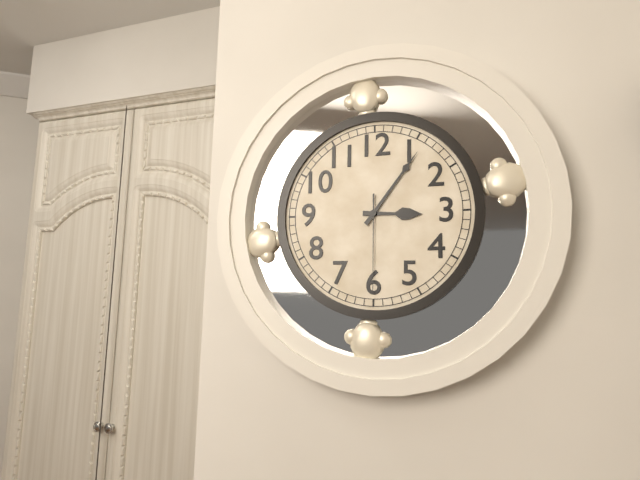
**3:06:30**
